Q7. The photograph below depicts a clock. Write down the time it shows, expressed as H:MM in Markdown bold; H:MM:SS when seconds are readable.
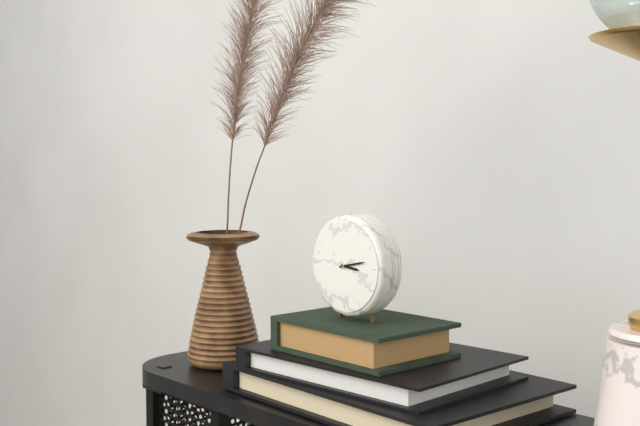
**3:13**
